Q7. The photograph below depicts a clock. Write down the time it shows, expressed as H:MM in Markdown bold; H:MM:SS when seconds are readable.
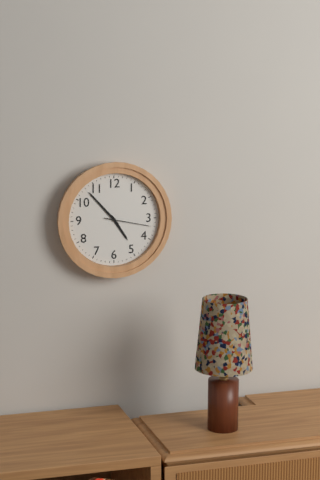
**4:53**
